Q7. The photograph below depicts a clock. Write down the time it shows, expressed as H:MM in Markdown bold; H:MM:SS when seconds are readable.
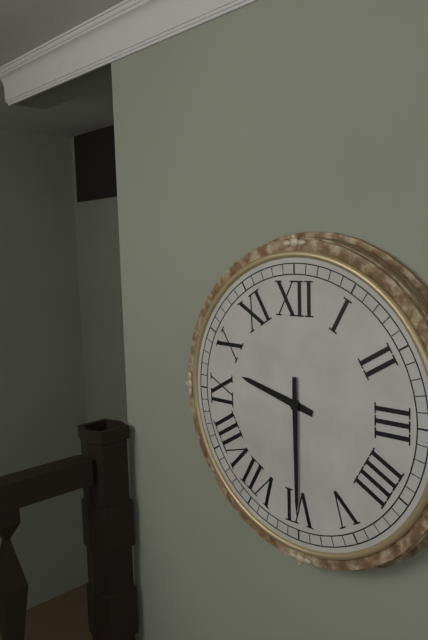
**9:30**
